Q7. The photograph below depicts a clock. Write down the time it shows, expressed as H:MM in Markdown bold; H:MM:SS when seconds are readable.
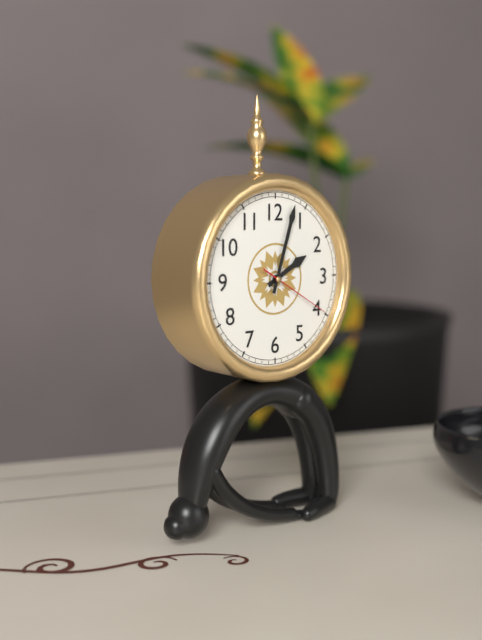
**2:03:20**
